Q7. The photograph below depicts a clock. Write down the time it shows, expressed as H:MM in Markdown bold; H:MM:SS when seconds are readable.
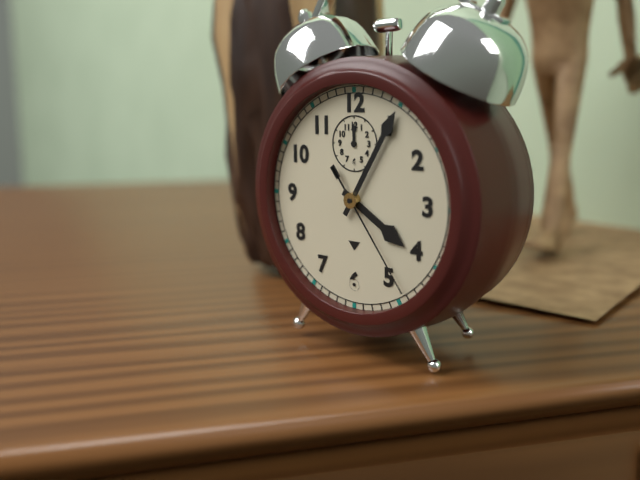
**4:05:24**
